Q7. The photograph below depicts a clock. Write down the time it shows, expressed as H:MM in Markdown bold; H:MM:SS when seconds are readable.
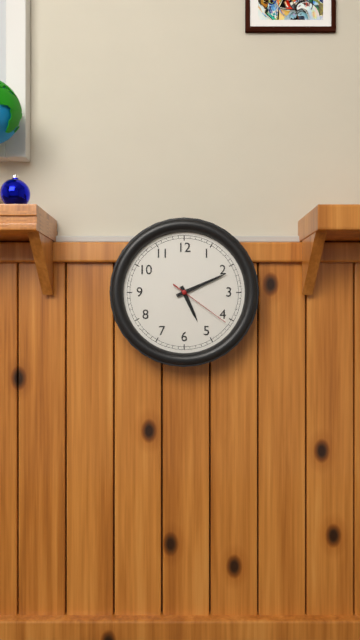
**5:11:21**
